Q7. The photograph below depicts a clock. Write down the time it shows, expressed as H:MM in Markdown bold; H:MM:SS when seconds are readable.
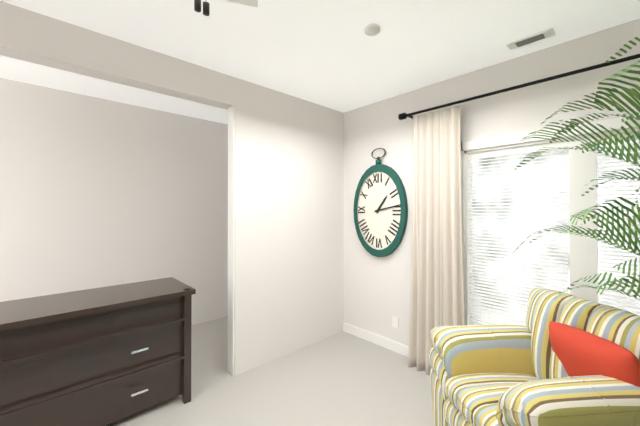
**1:13**
